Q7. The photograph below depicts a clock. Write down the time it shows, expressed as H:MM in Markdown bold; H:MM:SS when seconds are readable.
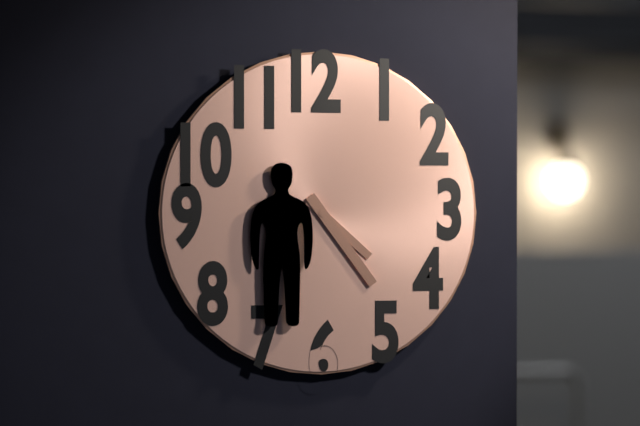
**4:24**
